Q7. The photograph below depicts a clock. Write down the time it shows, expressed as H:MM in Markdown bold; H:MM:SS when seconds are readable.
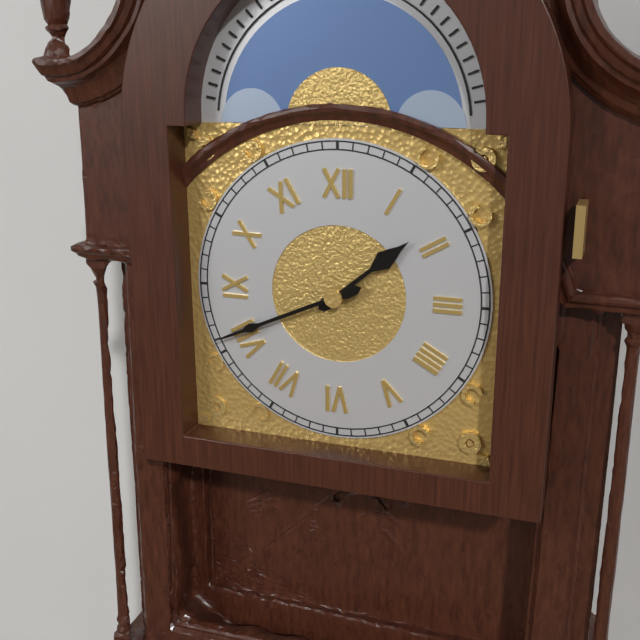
**1:41**
